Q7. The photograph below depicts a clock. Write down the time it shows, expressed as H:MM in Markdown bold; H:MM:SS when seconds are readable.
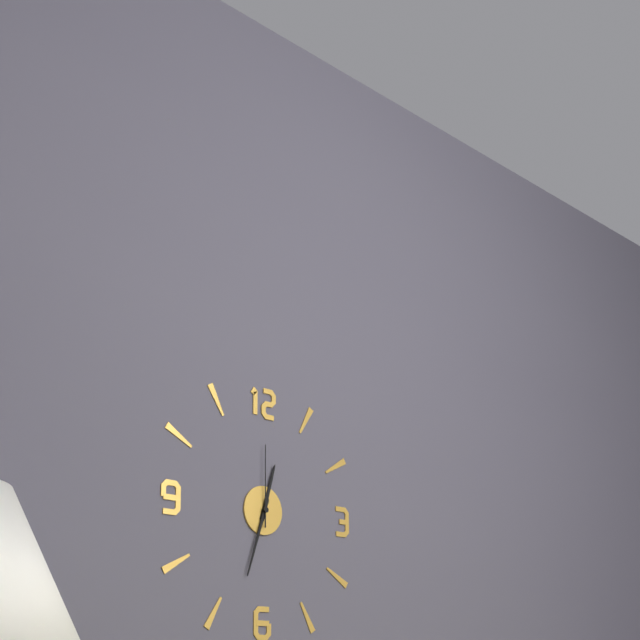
**12:33:00**
